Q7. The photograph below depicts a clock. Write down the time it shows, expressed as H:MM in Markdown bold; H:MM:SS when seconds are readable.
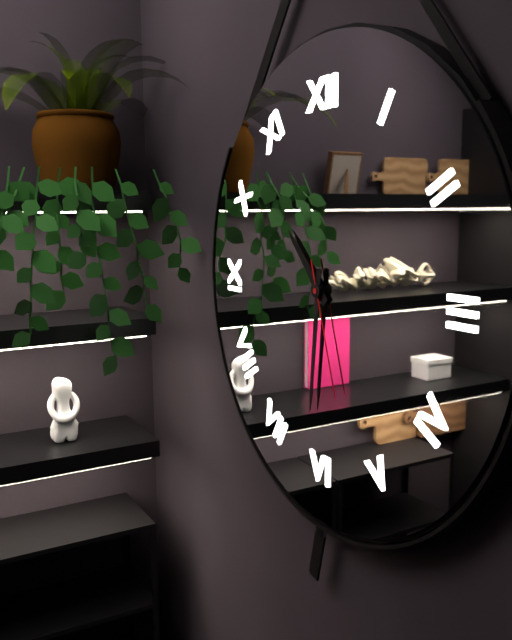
**10:31:27**
